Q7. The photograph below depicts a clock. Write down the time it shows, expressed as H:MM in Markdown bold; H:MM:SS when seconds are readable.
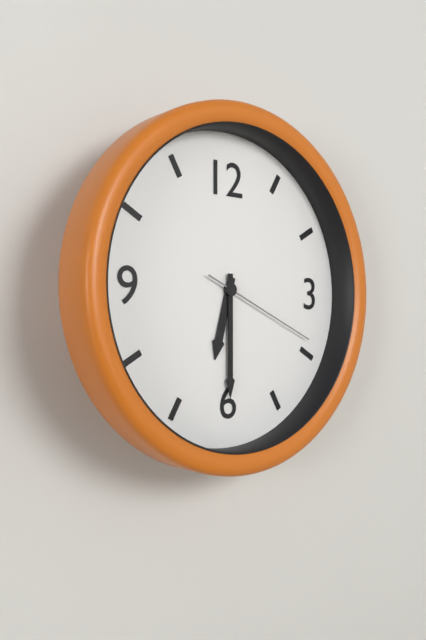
**6:30:19**
